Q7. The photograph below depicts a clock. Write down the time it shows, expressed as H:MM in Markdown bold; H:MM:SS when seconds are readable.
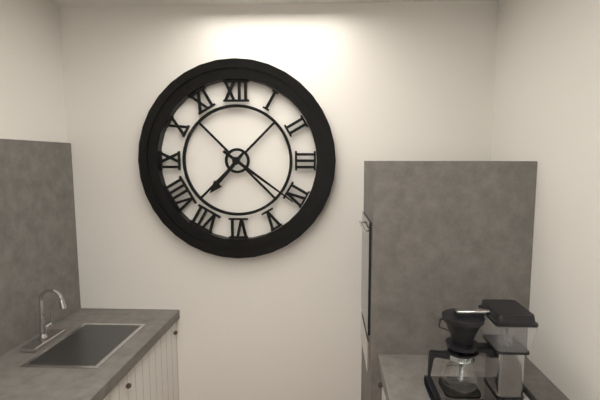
**7:21**
